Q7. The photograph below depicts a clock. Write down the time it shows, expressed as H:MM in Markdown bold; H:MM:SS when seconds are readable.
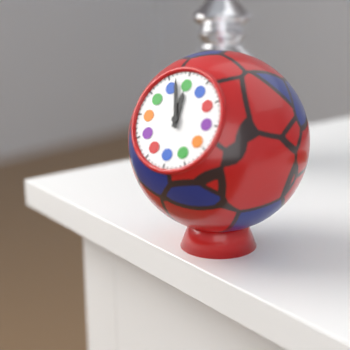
**11:57**
